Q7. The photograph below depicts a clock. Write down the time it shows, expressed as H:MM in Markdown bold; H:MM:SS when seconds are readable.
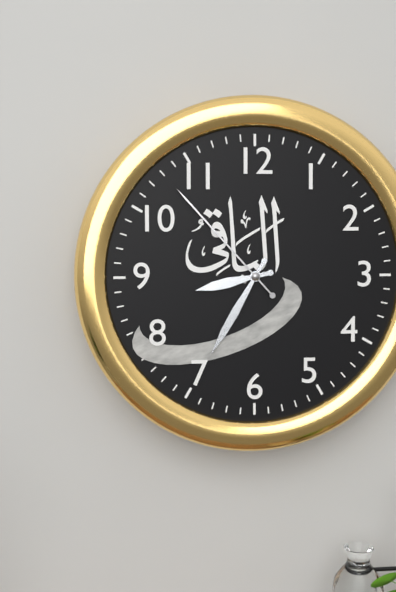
**8:35:53**
